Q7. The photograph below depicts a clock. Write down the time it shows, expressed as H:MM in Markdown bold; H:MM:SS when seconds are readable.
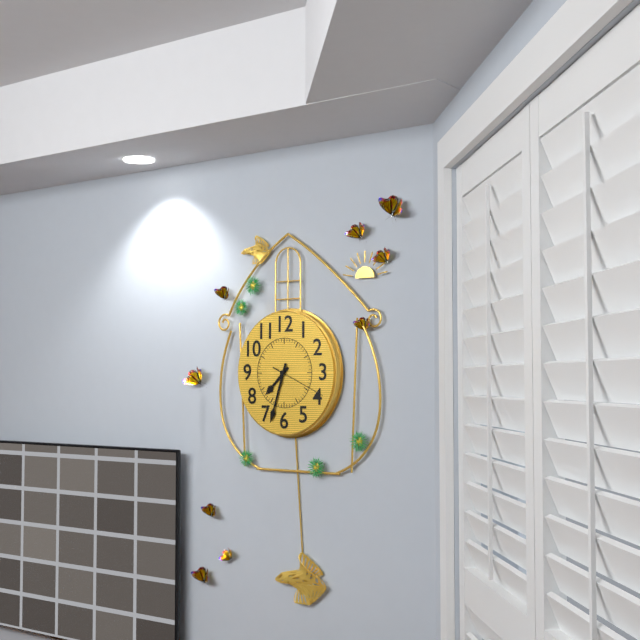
**7:33:19**
